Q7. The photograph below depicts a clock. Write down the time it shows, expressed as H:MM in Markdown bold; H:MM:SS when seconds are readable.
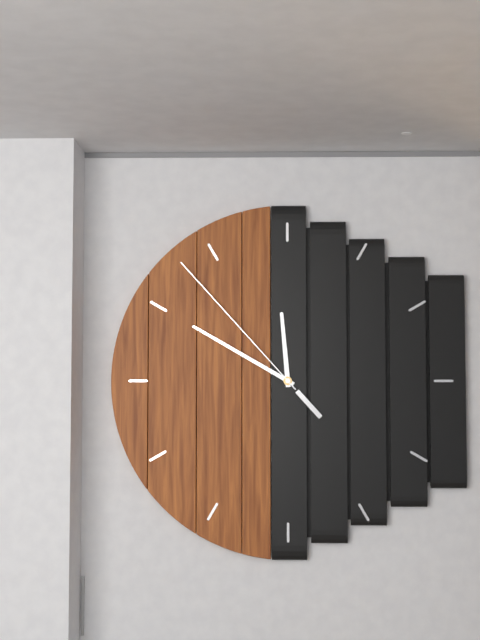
**11:50:53**
